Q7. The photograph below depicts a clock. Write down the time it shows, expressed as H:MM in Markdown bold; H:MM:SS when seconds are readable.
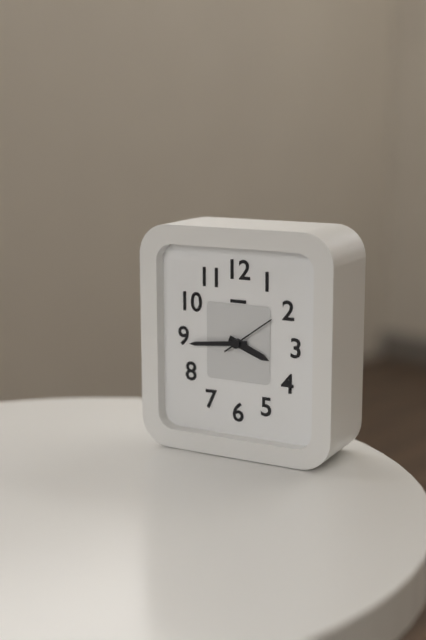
**3:44:09**
